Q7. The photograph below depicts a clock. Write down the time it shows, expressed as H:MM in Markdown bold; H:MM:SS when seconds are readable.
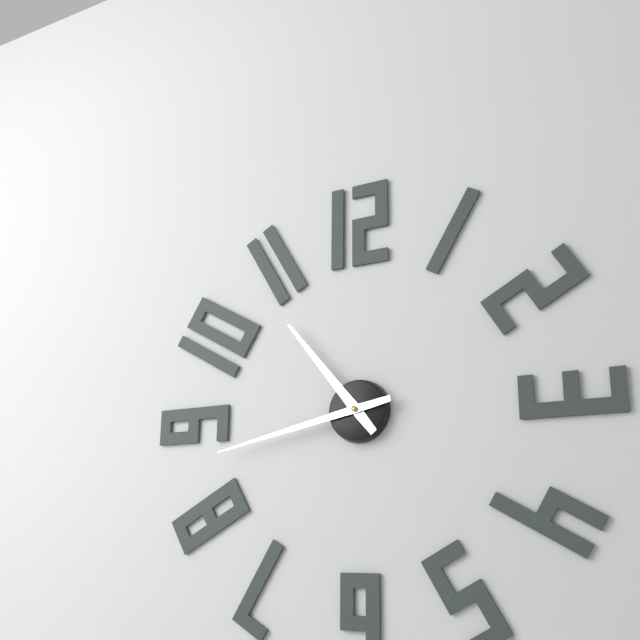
**10:43**
